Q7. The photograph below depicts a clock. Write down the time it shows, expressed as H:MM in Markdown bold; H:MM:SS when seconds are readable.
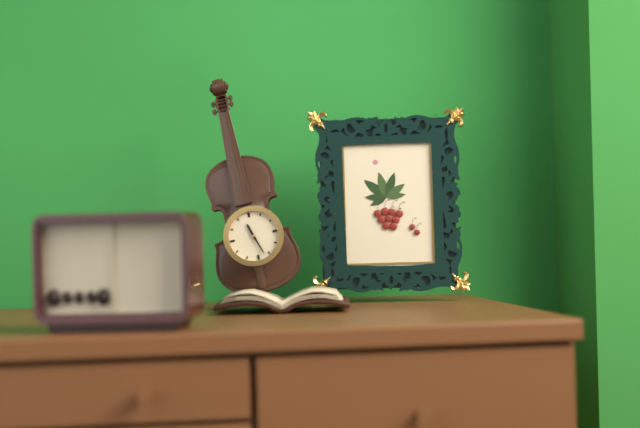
**11:27**
